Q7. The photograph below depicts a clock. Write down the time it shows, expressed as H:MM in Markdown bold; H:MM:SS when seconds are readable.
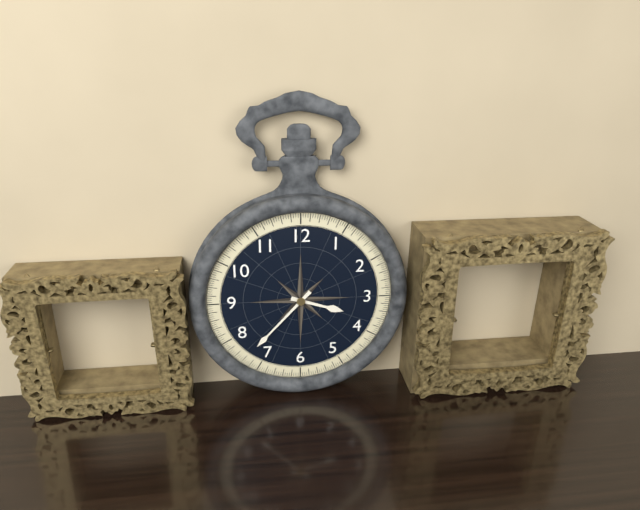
**3:37**
